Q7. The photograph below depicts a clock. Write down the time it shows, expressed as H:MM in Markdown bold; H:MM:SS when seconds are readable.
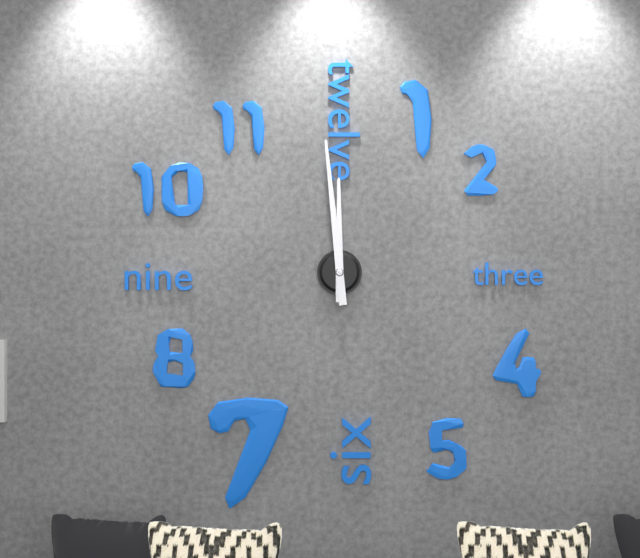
**11:59**
